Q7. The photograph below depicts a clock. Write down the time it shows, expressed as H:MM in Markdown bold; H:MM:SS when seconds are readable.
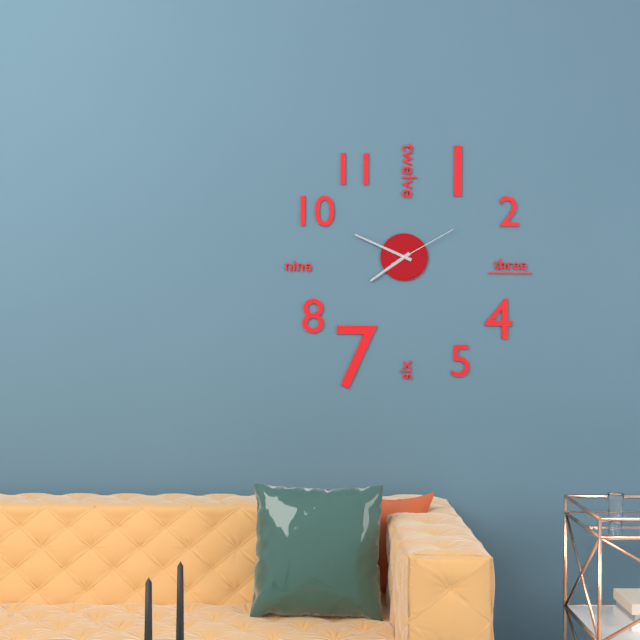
**7:49:10**
